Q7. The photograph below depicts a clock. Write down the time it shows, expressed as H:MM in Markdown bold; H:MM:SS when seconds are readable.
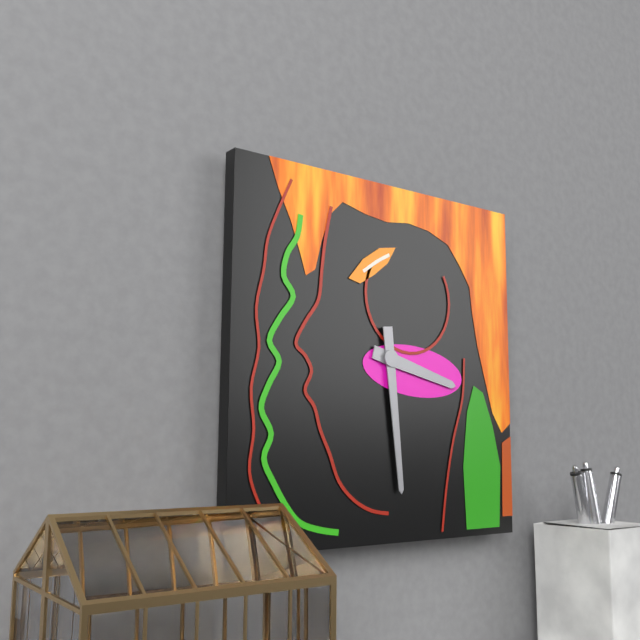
**3:29**
